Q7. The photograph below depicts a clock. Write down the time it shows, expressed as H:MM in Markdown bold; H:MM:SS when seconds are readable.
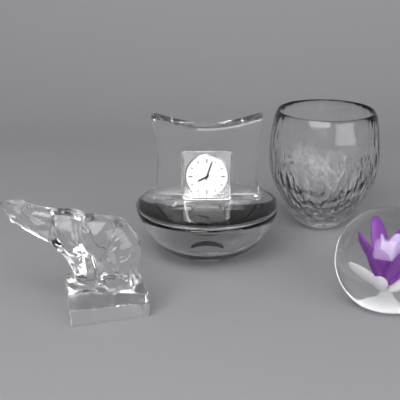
**8:03**
